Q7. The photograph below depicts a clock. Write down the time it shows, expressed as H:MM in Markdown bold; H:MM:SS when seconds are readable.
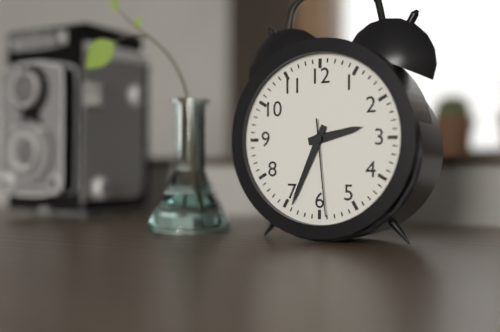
**2:34:29**
